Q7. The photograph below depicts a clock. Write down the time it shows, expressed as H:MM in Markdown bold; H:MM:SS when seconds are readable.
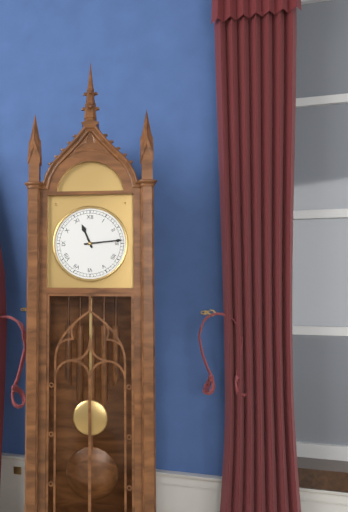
**11:14**
